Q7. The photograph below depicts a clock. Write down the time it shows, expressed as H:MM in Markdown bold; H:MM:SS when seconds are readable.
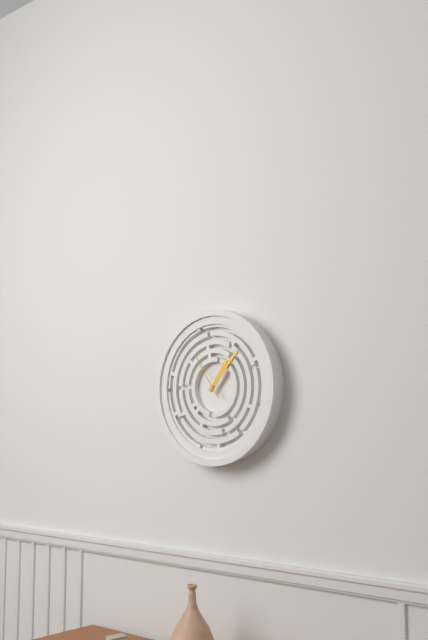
**1:07:54**
